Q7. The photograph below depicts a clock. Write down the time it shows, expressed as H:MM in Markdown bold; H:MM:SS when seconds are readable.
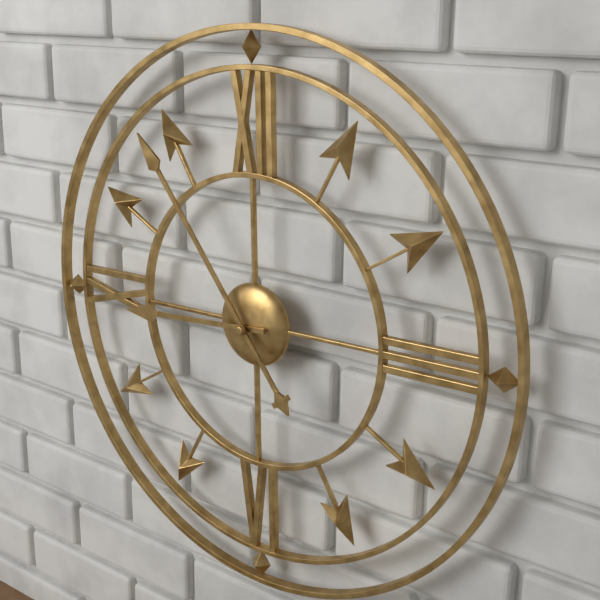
**8:54**
